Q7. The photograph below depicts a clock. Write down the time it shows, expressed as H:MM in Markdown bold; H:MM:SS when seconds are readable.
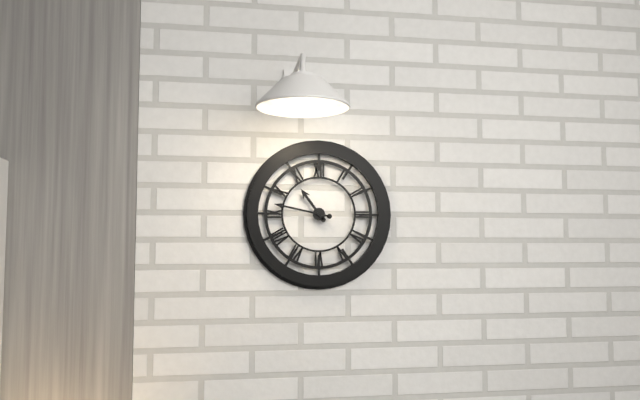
**10:47**
